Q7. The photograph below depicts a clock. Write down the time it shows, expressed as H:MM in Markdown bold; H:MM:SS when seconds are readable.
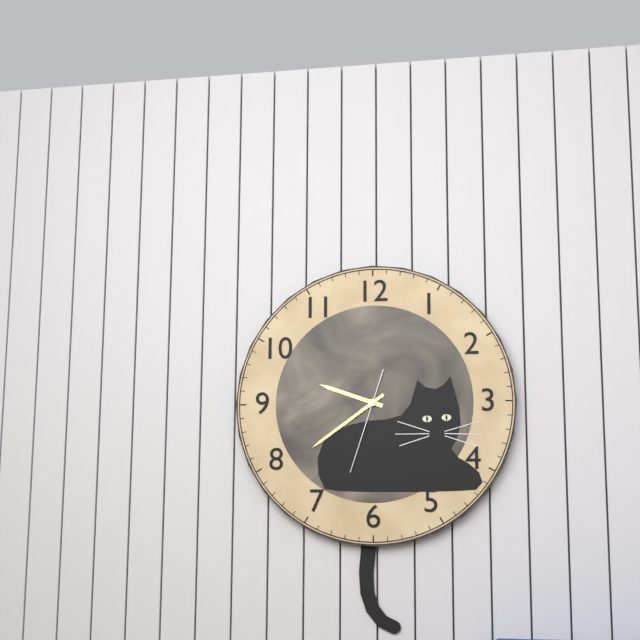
**9:39:33**
